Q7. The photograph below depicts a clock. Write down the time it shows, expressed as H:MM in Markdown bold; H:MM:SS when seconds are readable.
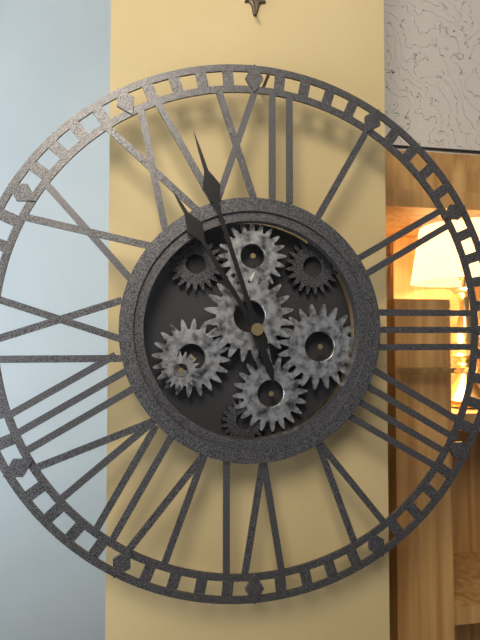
**10:57**
